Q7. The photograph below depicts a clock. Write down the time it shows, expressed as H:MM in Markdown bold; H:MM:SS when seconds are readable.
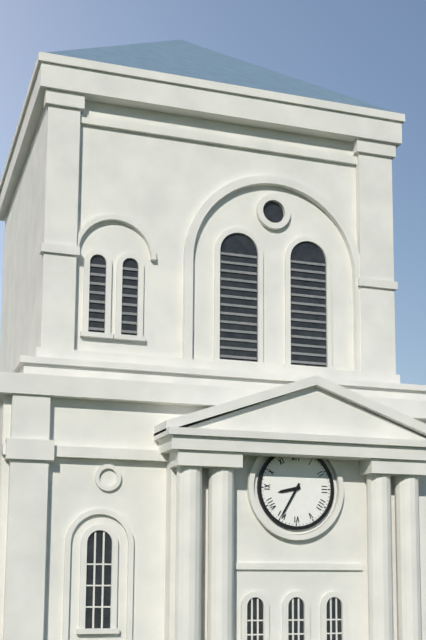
**8:35**
